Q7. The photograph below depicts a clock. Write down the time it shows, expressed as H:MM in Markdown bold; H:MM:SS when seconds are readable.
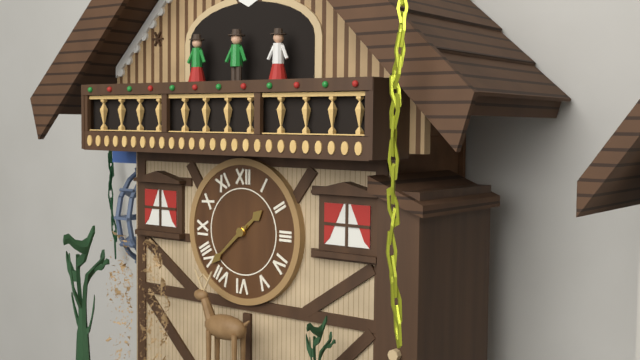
**1:38**
